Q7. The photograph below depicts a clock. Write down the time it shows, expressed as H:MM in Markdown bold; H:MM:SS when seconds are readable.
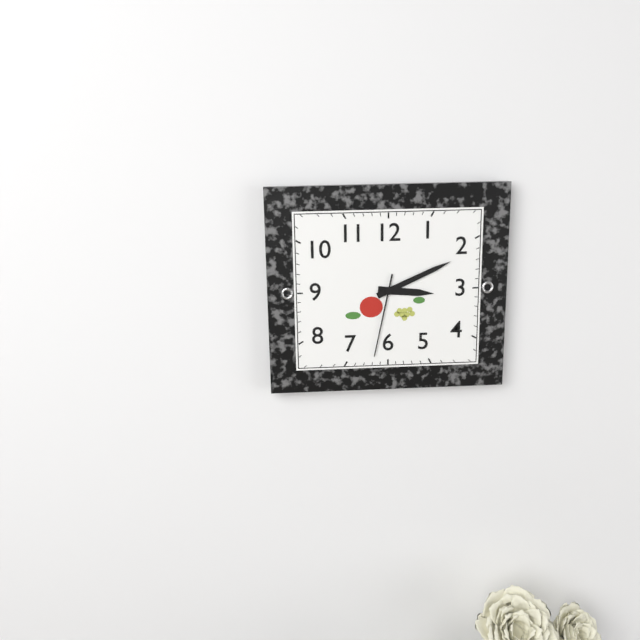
**3:11:32**
